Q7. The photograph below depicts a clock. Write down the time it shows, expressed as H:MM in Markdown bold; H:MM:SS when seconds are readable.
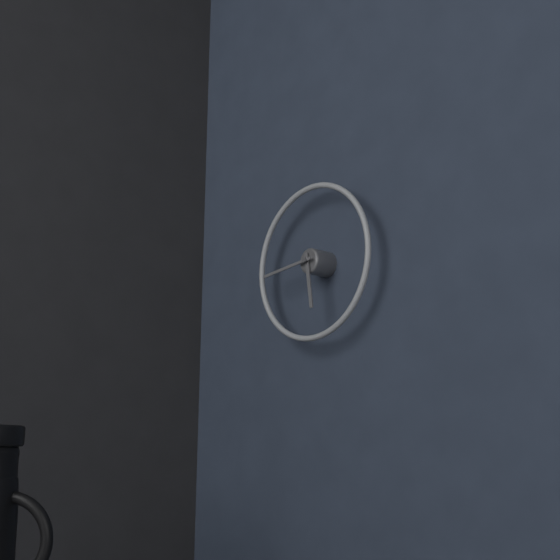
**5:44**
